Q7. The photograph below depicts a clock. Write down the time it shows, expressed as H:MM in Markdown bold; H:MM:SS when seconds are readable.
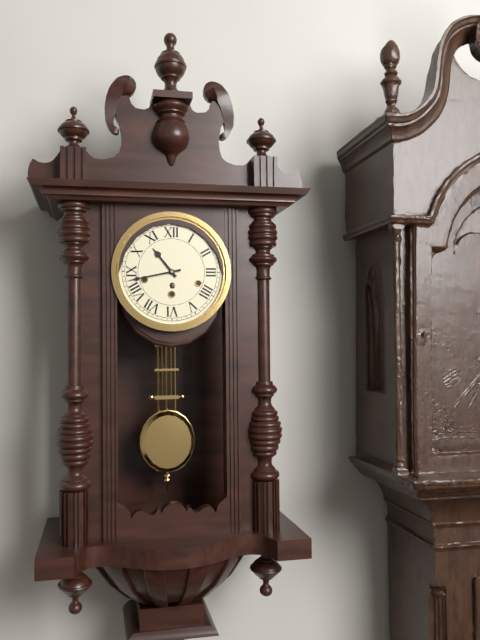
**10:43**
